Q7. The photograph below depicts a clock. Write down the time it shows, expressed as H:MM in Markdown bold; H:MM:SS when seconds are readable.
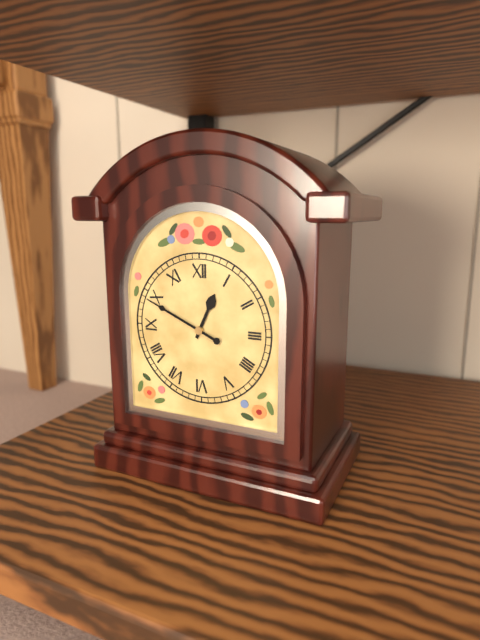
**12:49**
